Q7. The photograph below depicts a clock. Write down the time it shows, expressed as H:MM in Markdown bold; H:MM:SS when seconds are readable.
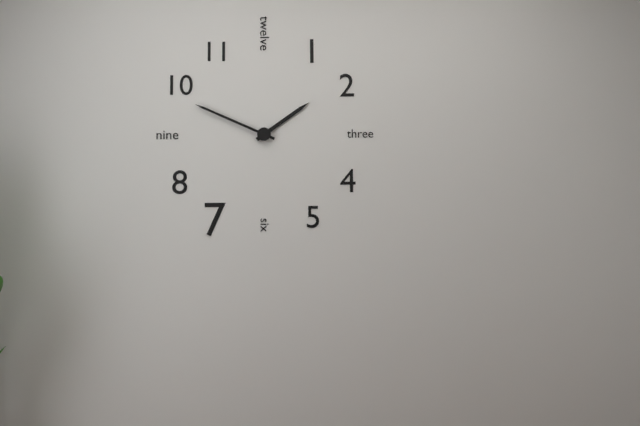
**1:49**
